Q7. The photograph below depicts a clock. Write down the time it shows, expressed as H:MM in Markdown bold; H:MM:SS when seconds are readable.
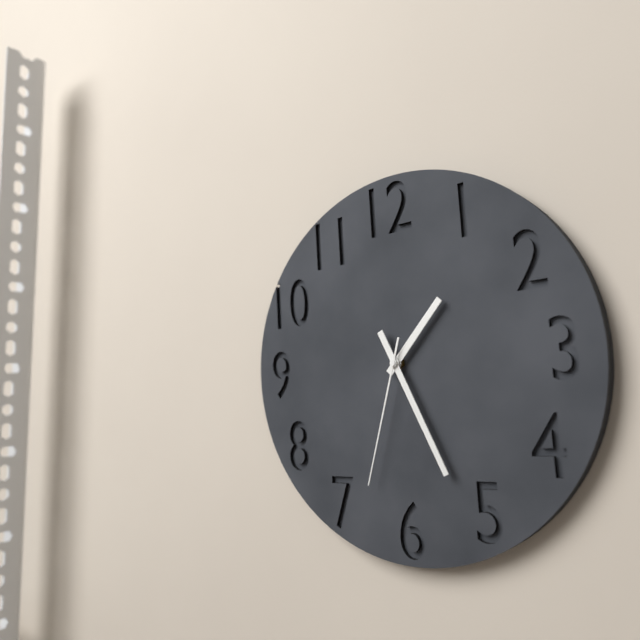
**1:26:33**
